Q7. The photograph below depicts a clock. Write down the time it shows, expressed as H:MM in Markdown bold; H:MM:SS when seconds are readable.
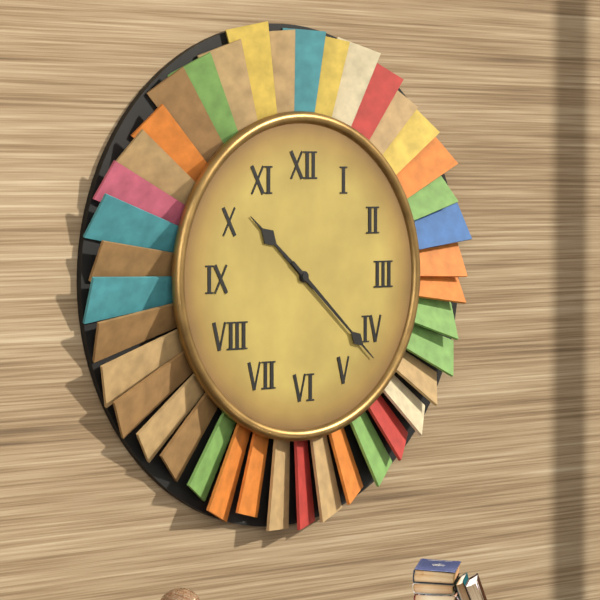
**10:22**
